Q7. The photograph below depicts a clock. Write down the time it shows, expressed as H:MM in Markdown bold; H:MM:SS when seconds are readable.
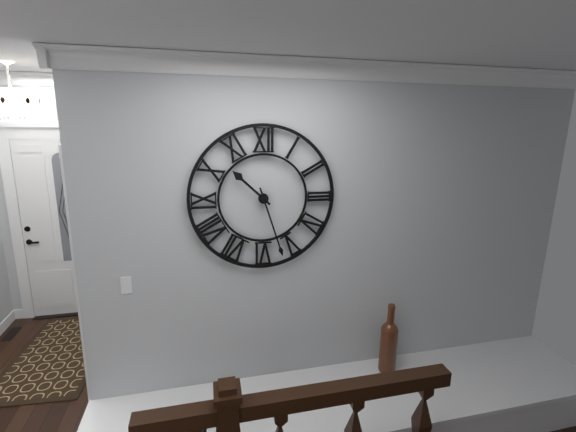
**10:27**
